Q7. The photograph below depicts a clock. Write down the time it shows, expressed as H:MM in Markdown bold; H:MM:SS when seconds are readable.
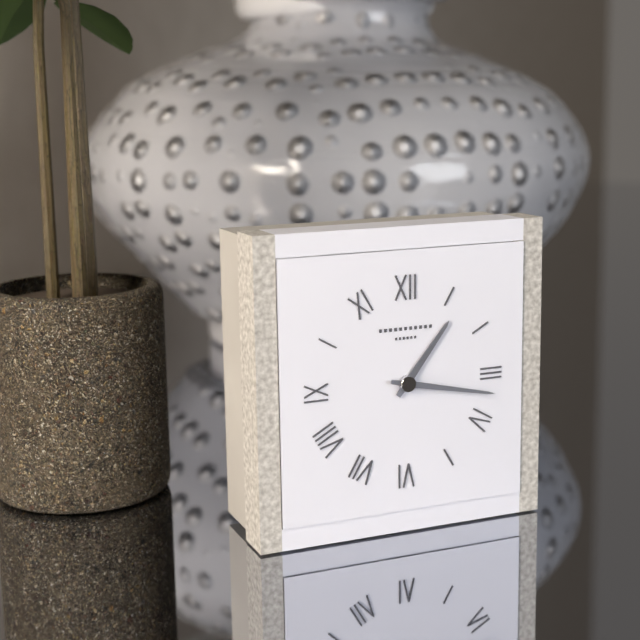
**1:17**
